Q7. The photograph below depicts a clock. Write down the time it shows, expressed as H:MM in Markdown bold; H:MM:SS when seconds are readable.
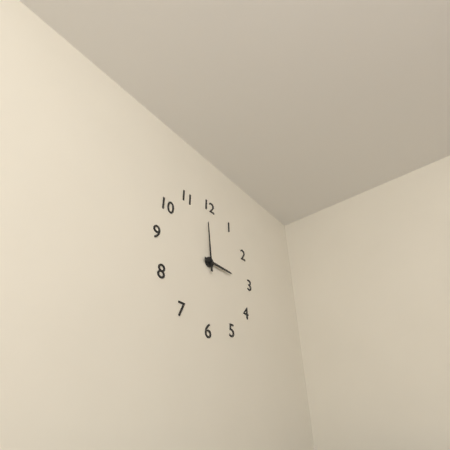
**2:59**
